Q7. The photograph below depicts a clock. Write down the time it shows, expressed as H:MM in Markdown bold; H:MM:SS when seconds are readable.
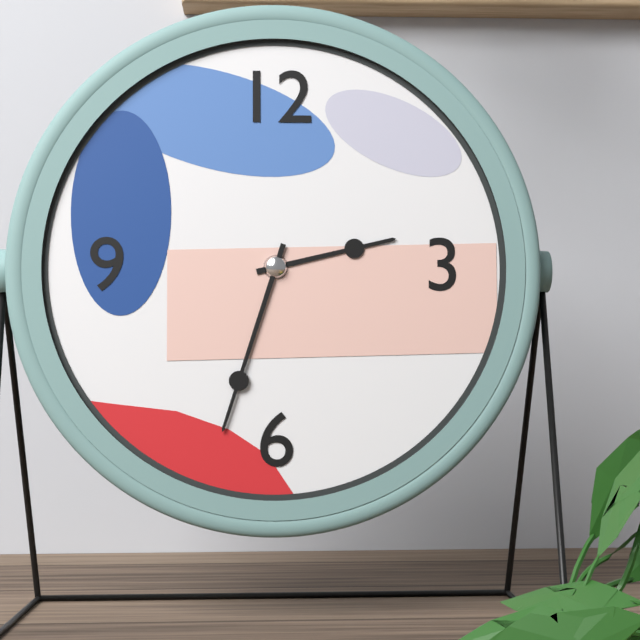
**2:33**
